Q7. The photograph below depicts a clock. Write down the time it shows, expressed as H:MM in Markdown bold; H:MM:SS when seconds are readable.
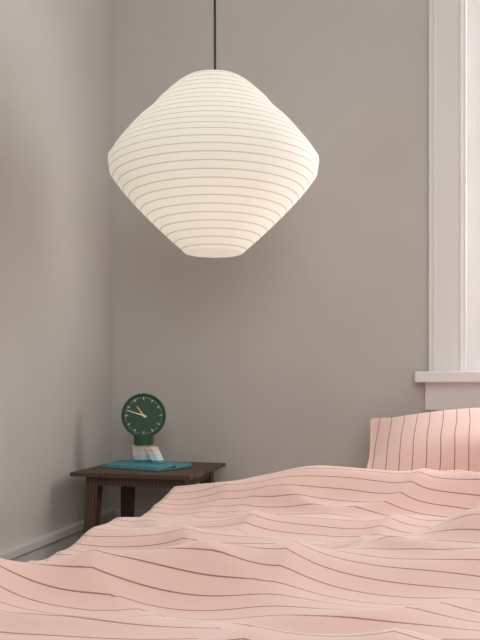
**10:48**
